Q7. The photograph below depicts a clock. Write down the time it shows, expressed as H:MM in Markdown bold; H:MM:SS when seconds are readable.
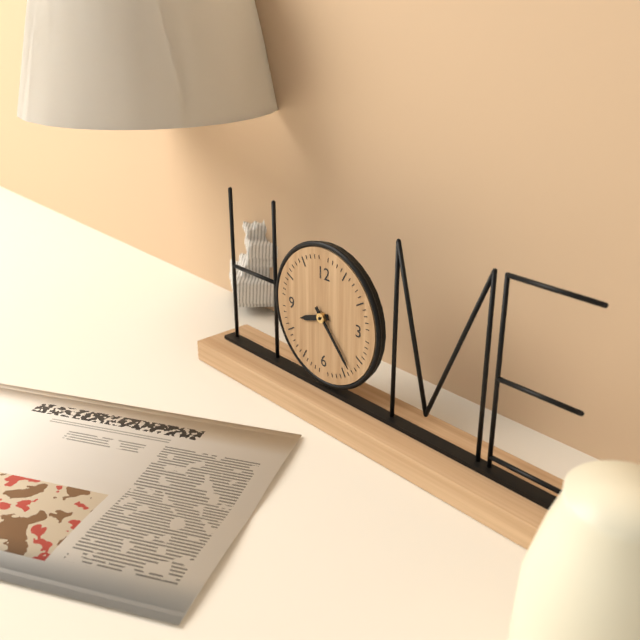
**8:23**
